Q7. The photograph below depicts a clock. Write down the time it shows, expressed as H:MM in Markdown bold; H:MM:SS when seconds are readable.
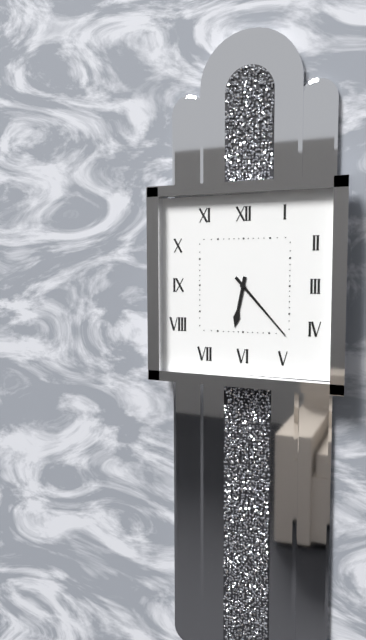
**6:23**
